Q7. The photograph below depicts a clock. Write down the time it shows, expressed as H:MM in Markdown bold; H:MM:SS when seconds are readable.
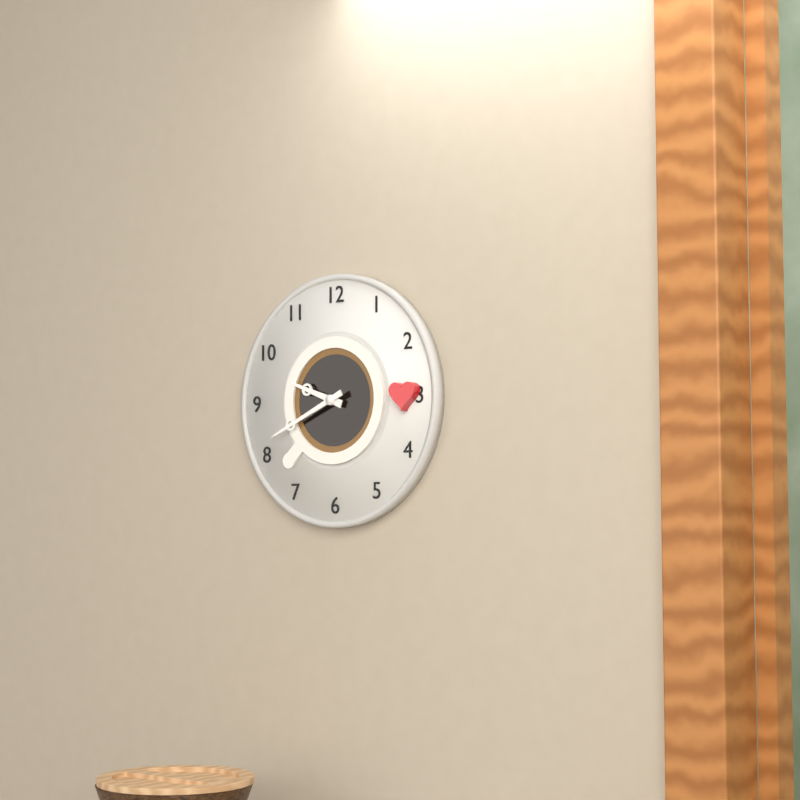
**9:41**
